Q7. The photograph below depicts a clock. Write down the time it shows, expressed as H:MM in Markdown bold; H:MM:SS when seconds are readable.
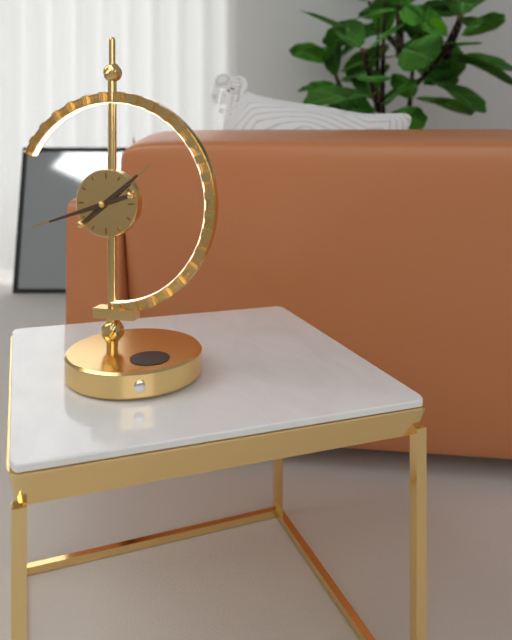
**1:42**
